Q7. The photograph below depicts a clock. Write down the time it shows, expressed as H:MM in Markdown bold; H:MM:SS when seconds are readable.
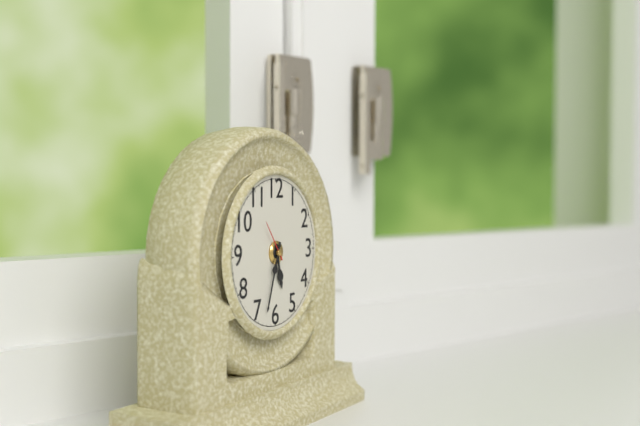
**5:33**
